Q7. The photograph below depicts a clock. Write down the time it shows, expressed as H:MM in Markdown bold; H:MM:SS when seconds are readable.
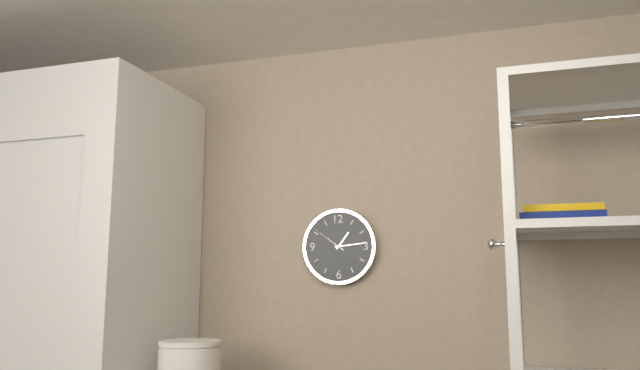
**1:14**
